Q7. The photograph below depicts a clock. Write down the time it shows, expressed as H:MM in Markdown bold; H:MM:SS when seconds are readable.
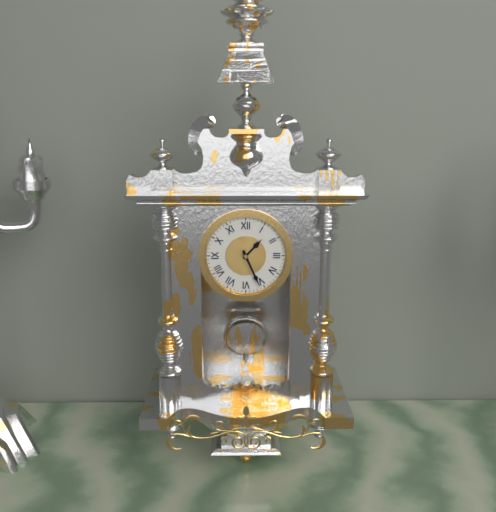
**1:26**
